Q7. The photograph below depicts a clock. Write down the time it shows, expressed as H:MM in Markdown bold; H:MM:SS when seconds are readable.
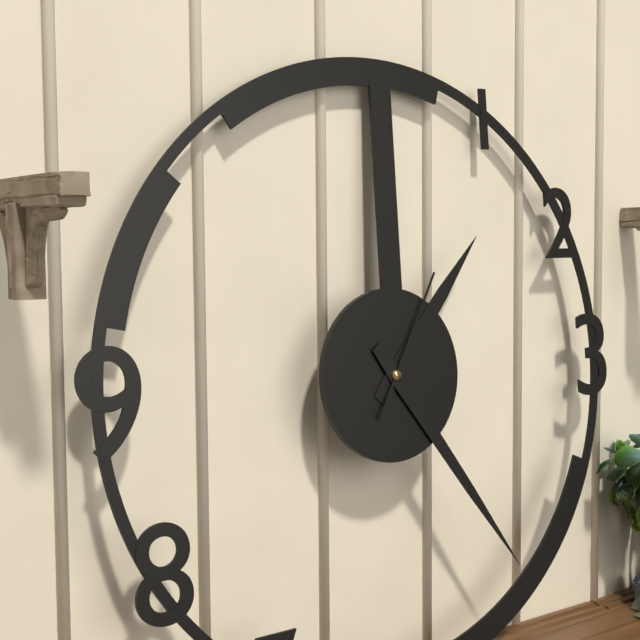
**1:24:05**
